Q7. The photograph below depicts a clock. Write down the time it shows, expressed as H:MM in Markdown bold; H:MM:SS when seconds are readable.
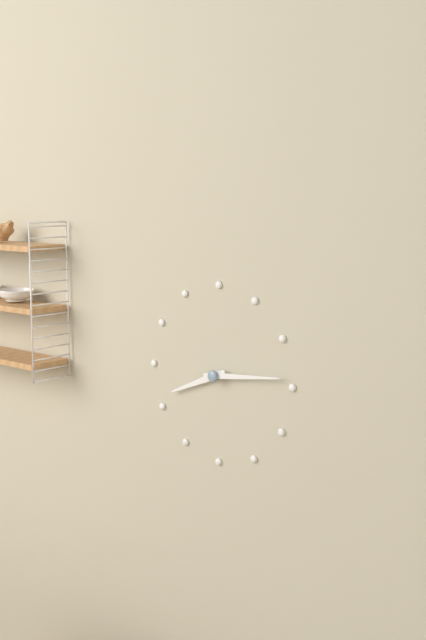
**8:14**
